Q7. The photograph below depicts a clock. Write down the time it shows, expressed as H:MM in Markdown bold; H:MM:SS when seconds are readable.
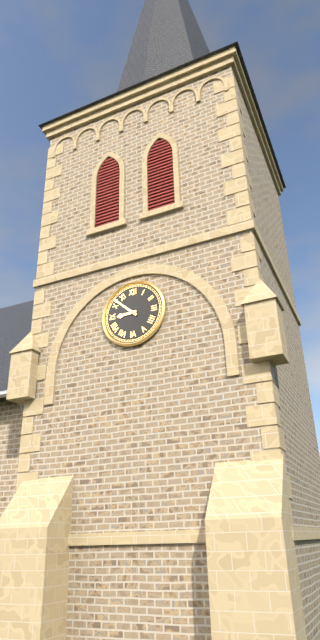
**8:52**
